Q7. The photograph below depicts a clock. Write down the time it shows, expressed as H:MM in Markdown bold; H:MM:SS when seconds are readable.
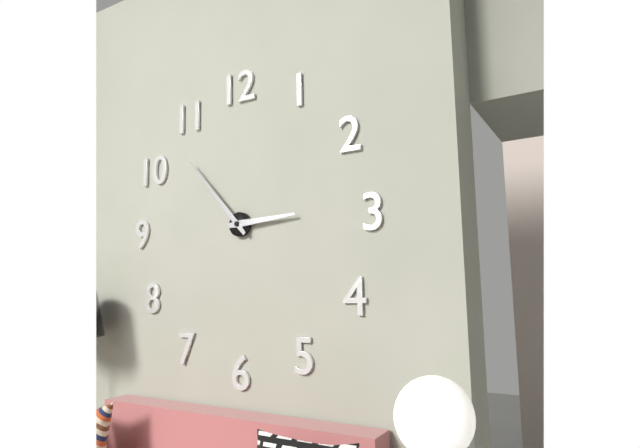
**2:53**
